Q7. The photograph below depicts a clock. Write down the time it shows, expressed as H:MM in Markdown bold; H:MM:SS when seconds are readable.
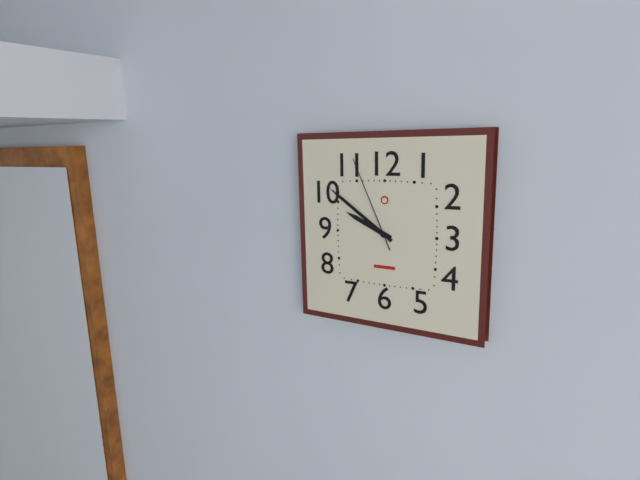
**9:51:56**
